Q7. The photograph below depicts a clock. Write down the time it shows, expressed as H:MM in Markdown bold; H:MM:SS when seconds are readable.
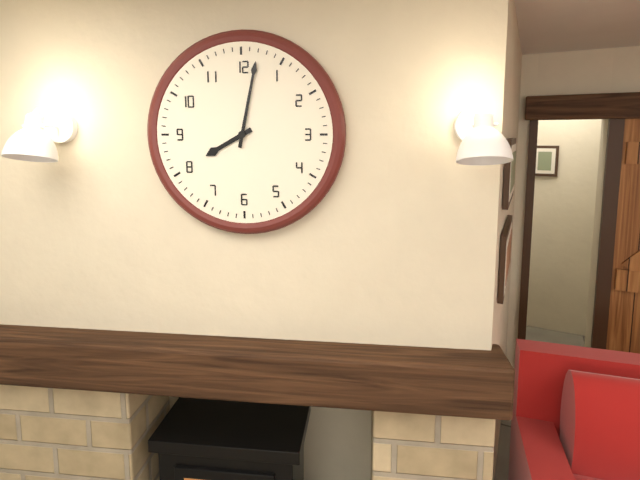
**8:02**
